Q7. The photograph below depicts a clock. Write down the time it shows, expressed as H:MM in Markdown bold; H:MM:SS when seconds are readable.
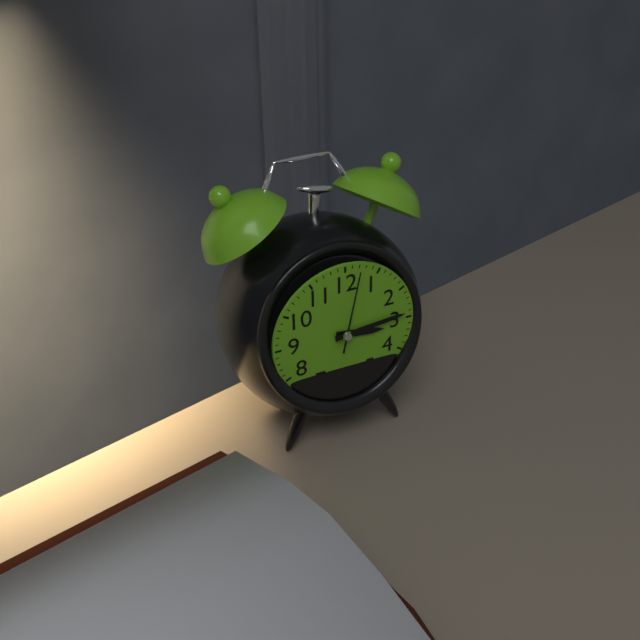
**3:14:02**
